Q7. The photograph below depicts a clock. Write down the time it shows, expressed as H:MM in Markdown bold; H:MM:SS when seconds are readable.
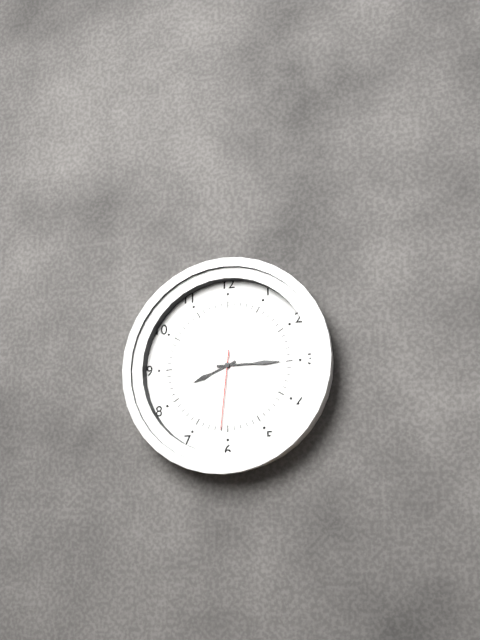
**8:15:31**
